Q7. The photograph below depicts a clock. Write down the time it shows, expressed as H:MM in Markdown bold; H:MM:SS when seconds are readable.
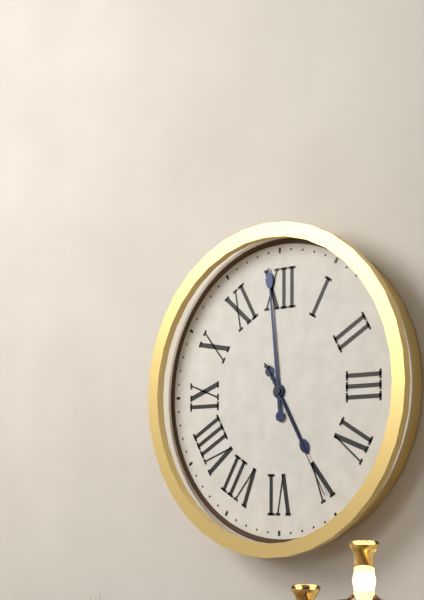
**4:59:25**
